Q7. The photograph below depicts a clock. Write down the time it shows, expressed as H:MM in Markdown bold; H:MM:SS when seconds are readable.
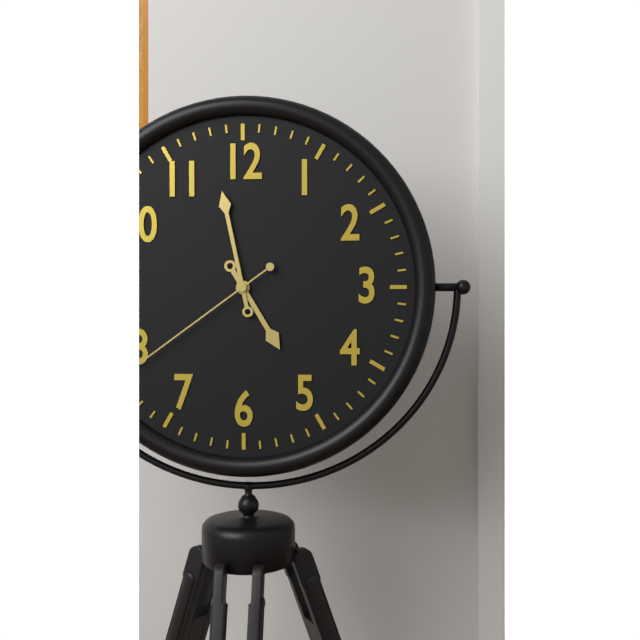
**4:58:39**
